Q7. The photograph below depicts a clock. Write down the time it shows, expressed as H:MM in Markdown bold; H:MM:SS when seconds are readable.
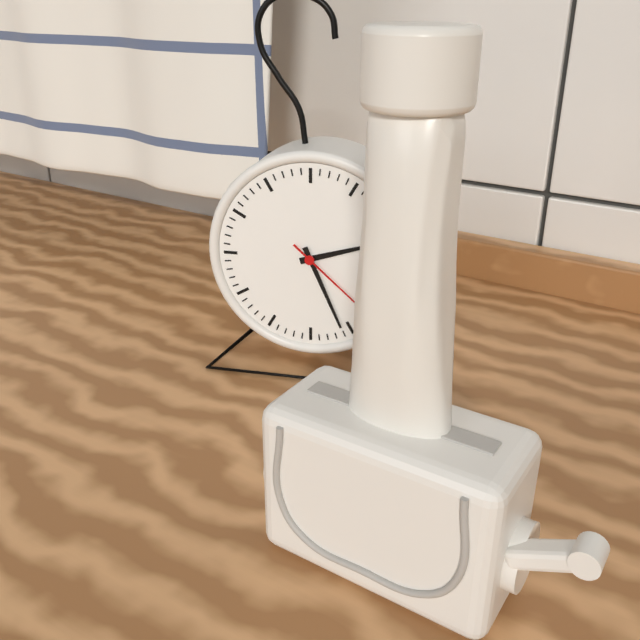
**2:26:22**
